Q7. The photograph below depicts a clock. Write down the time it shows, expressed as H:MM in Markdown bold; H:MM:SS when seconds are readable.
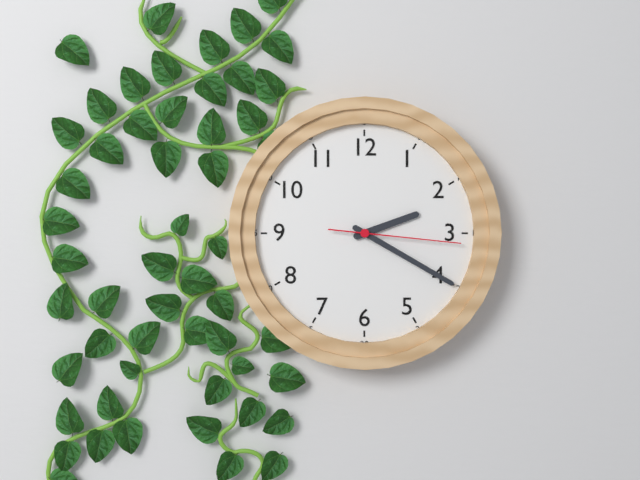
**2:20:16**
